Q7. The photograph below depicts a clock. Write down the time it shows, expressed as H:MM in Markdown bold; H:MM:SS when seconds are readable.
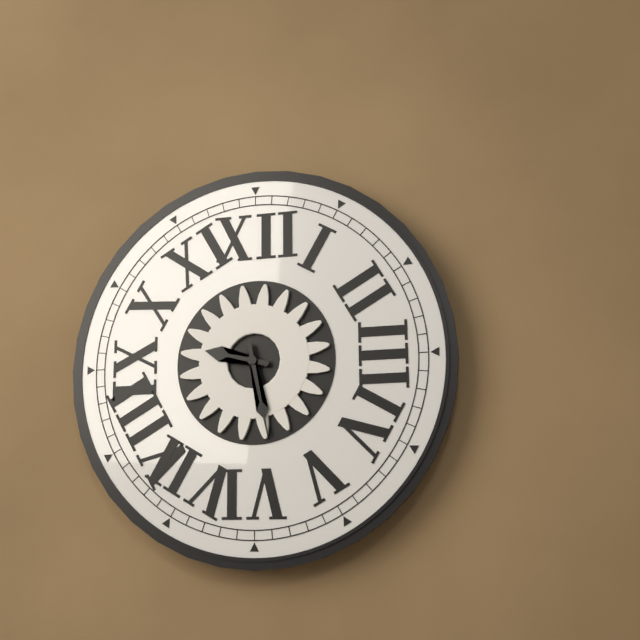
**9:28**
